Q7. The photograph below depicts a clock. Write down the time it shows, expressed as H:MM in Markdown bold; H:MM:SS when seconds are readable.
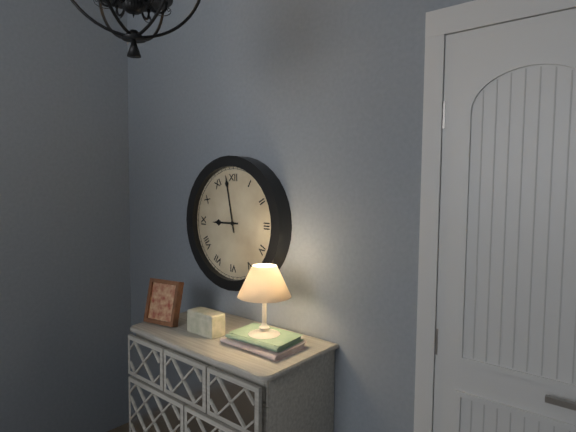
**8:58**
